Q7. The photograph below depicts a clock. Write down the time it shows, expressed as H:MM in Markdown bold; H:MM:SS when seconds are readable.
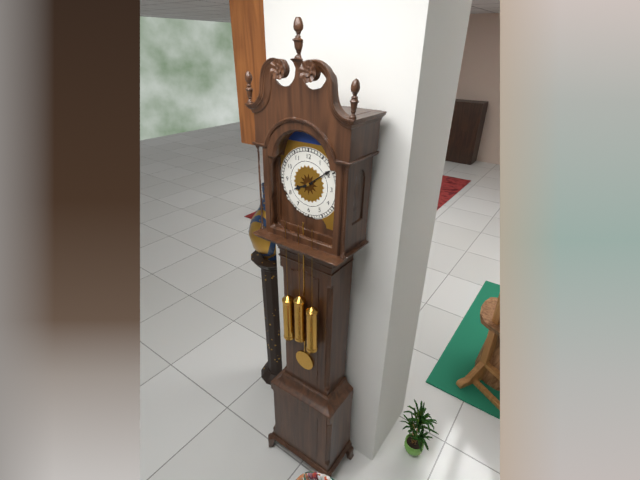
**8:09**
